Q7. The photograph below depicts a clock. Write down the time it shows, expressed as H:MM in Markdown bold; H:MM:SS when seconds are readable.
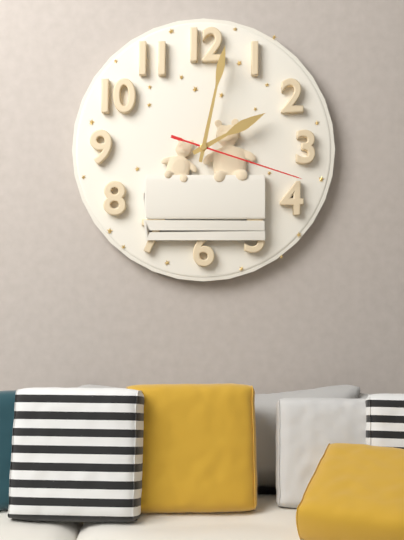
**2:02:18**
